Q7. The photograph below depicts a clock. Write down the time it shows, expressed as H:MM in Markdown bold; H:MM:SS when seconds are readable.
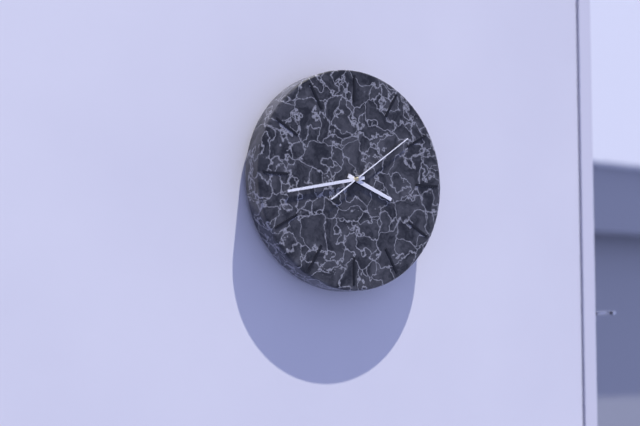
**3:43:09**
